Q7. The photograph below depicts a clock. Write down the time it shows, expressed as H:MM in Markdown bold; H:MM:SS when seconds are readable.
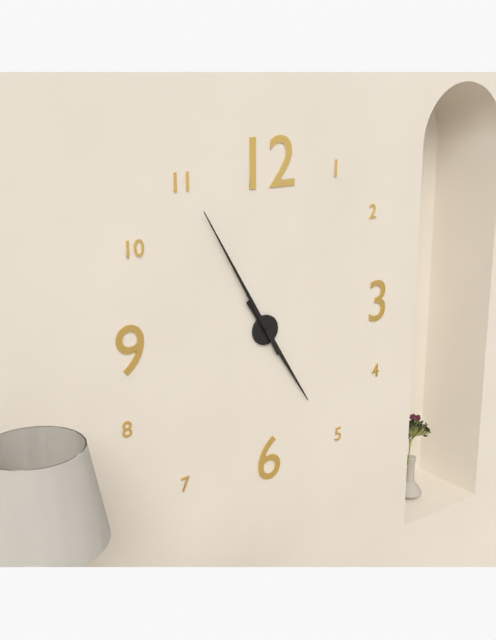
**4:55**
